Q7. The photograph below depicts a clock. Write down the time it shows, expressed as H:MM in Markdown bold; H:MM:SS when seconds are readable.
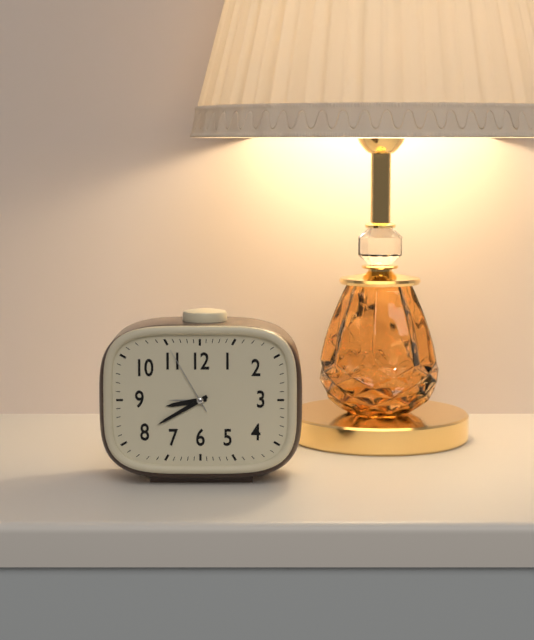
**8:40:55**
